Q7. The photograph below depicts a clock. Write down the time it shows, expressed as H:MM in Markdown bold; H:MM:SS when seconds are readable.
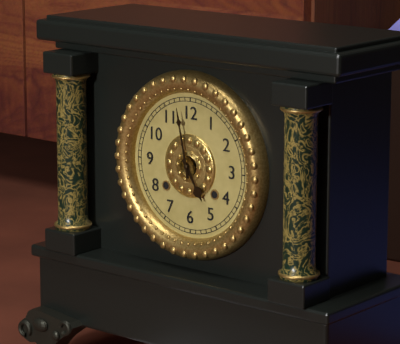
**4:58**
